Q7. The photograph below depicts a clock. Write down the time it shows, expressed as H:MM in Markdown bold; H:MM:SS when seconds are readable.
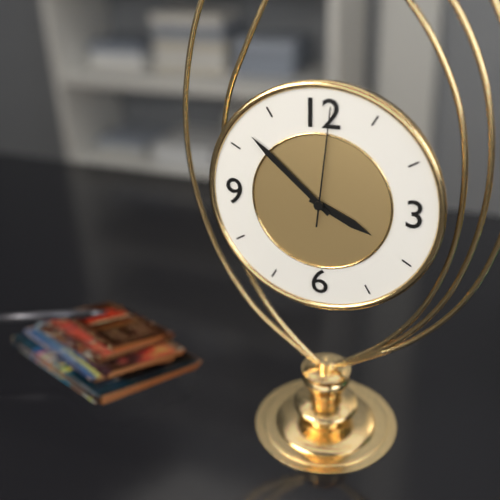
**3:52:01**
